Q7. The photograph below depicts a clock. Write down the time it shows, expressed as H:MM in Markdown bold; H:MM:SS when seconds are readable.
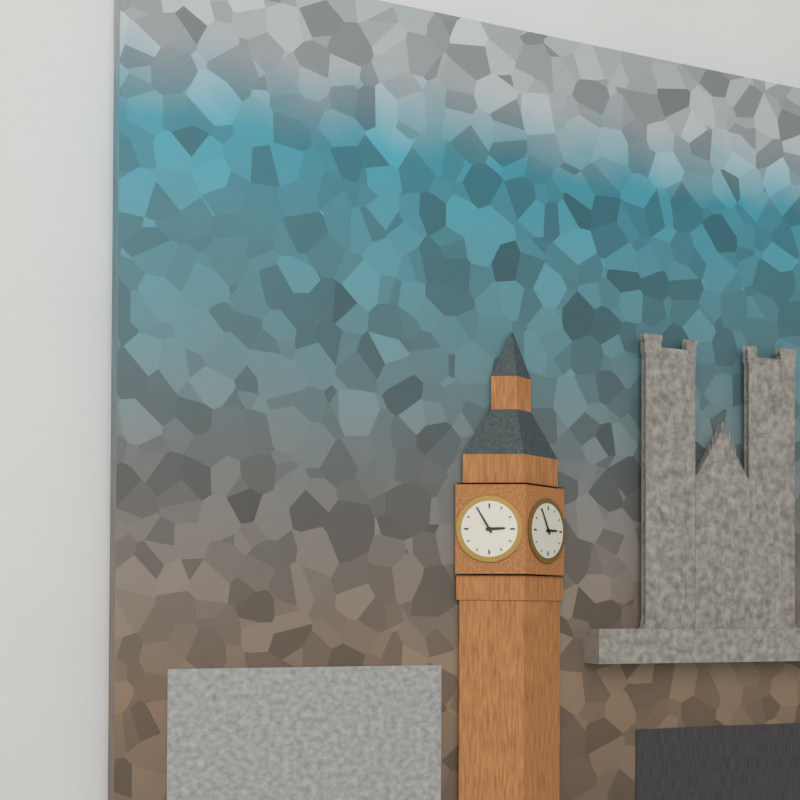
**2:55**
